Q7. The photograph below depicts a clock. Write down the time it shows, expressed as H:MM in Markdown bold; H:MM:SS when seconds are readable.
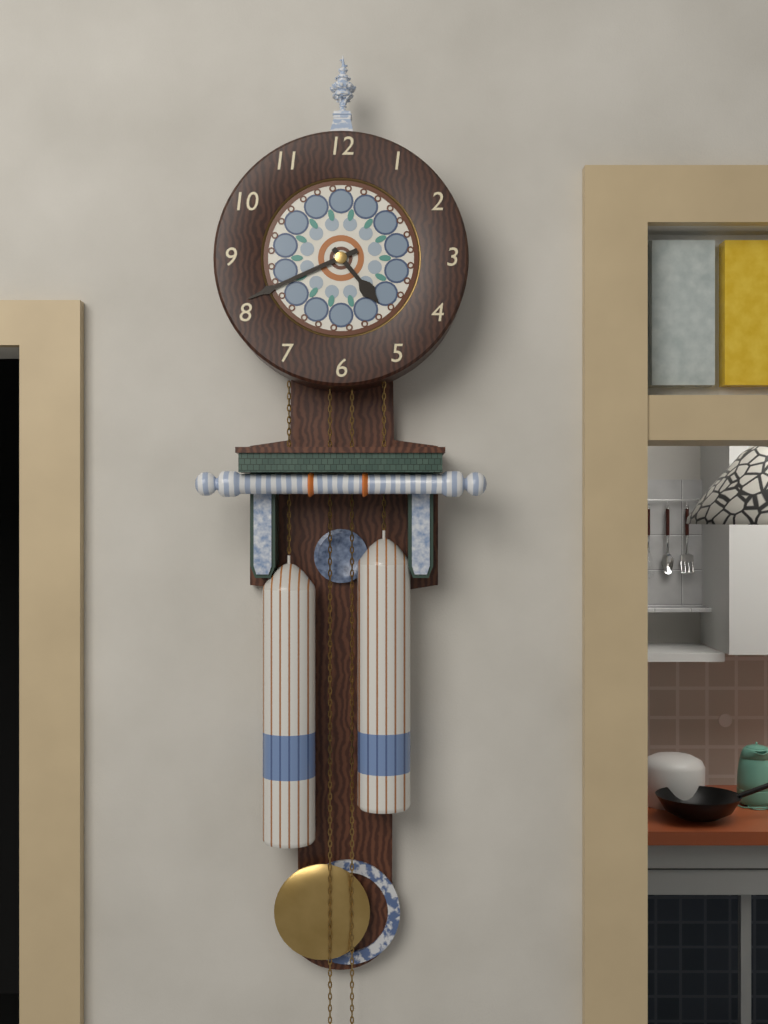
**4:41**
